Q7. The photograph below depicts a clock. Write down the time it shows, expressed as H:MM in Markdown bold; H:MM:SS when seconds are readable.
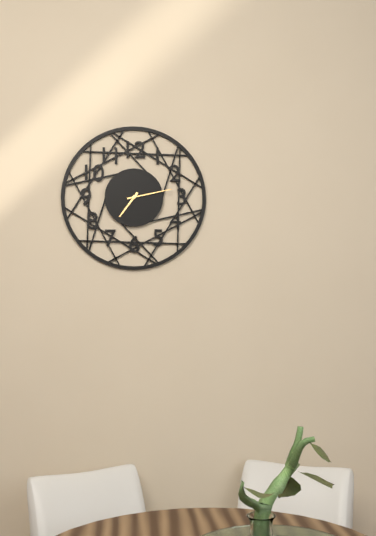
**7:13**
